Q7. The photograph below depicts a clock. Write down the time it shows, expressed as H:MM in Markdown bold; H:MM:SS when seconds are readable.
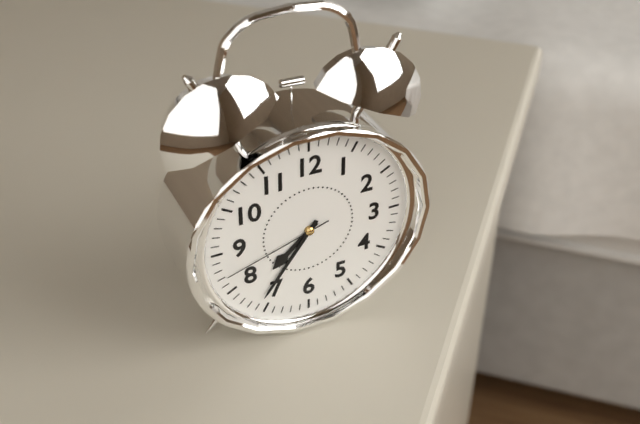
**7:36:42**
